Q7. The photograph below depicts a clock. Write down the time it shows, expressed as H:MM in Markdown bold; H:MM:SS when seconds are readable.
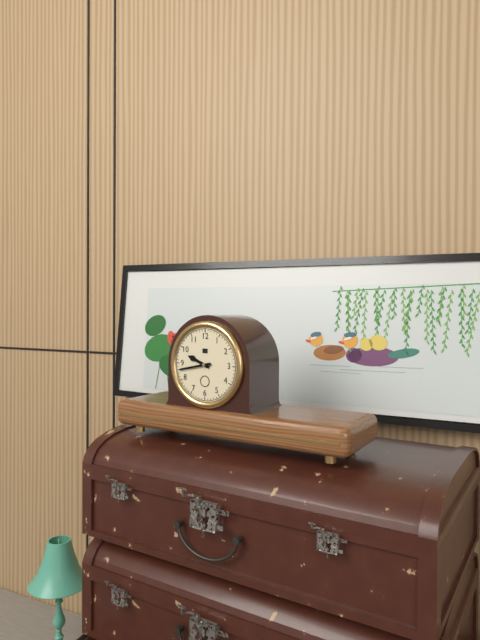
**9:43**
